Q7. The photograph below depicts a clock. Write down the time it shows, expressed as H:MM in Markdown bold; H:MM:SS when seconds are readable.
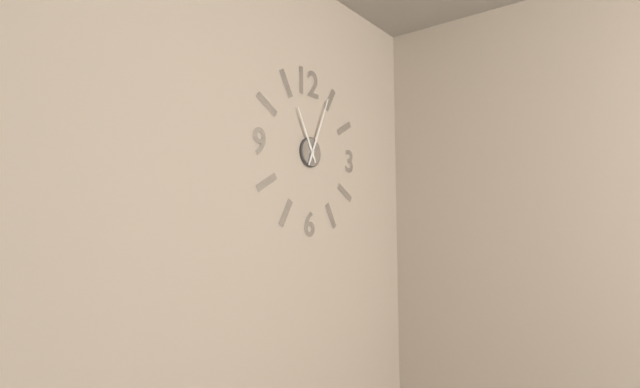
**11:04**
